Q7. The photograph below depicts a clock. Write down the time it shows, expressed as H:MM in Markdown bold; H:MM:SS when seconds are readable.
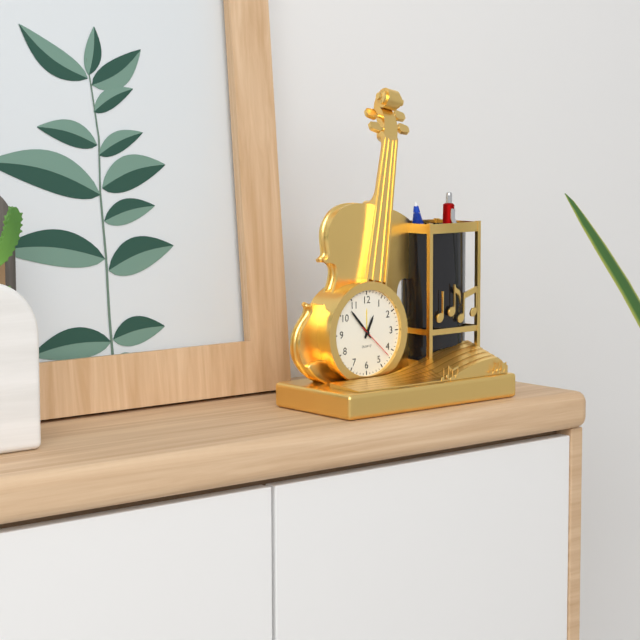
**12:53**
